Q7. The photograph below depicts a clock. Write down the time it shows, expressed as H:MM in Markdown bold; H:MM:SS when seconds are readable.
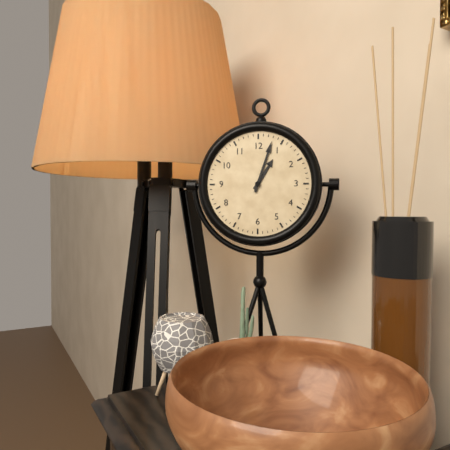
**1:03**
